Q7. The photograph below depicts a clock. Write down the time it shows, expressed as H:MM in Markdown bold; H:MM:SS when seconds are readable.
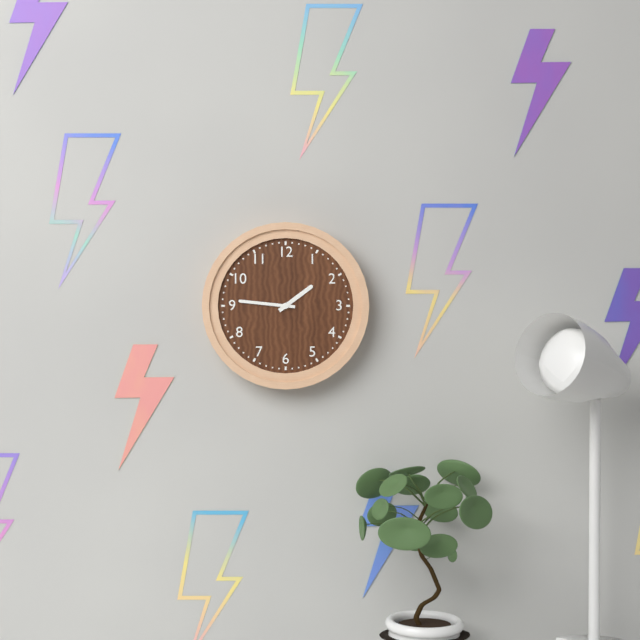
**1:46**
